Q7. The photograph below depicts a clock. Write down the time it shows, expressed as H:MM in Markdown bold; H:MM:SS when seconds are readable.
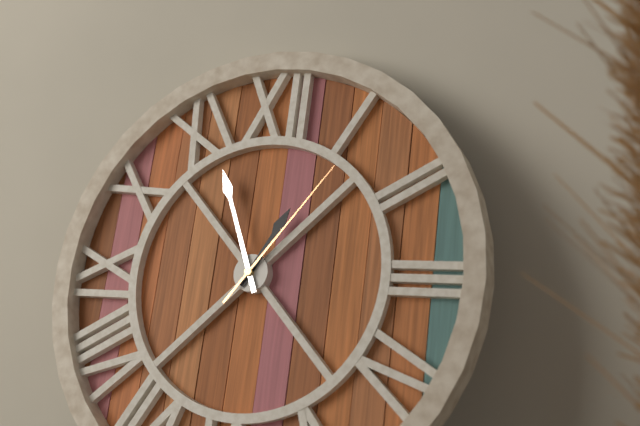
**12:56:06**
